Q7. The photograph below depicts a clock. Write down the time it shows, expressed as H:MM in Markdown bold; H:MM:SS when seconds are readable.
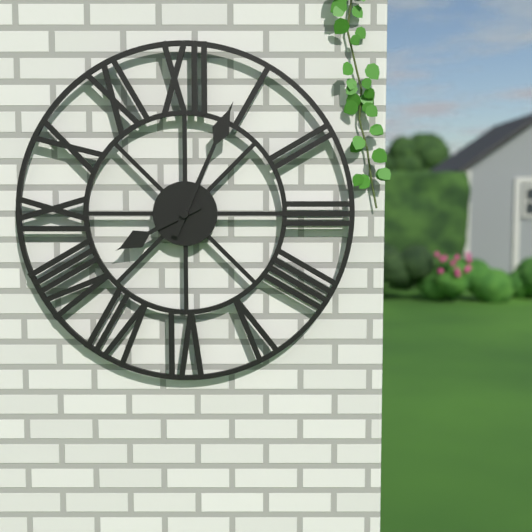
**8:04**
